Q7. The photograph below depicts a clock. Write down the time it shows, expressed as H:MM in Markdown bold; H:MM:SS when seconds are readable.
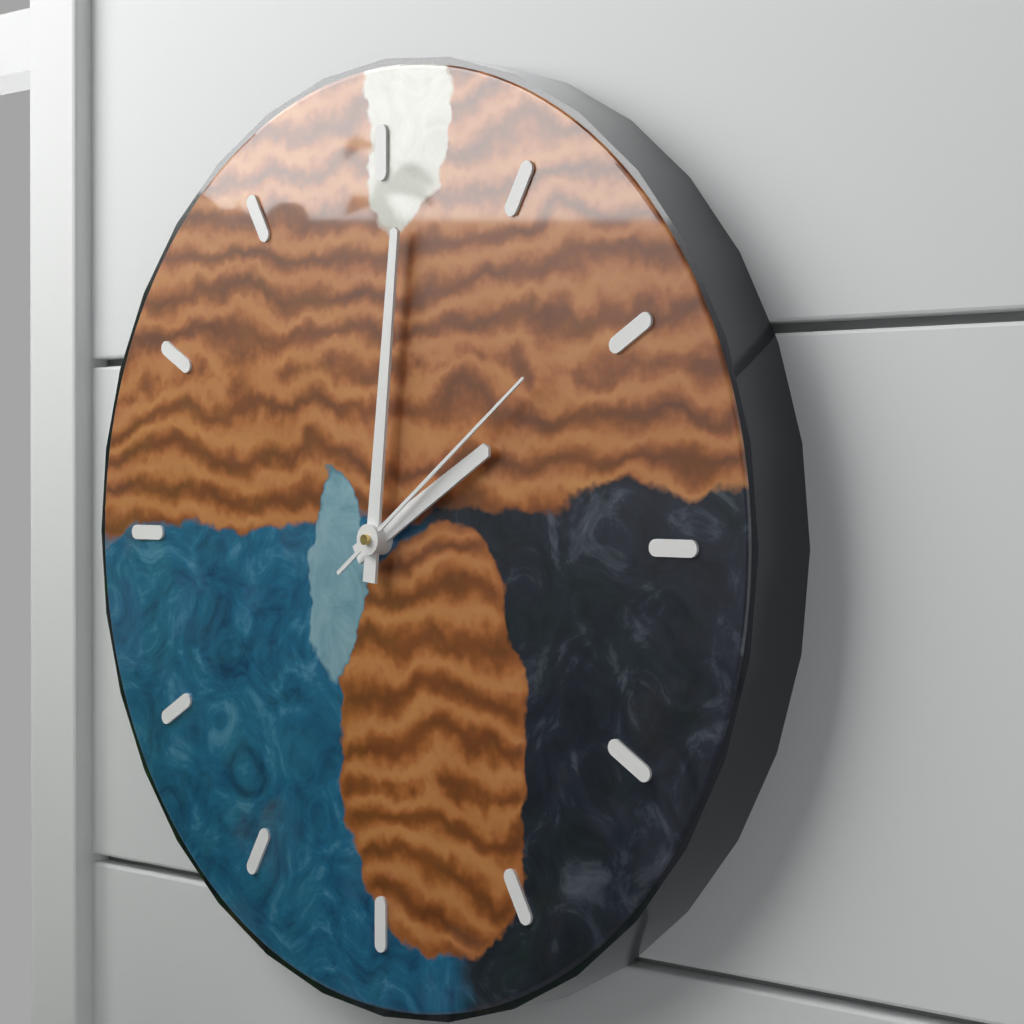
**2:01:09**
